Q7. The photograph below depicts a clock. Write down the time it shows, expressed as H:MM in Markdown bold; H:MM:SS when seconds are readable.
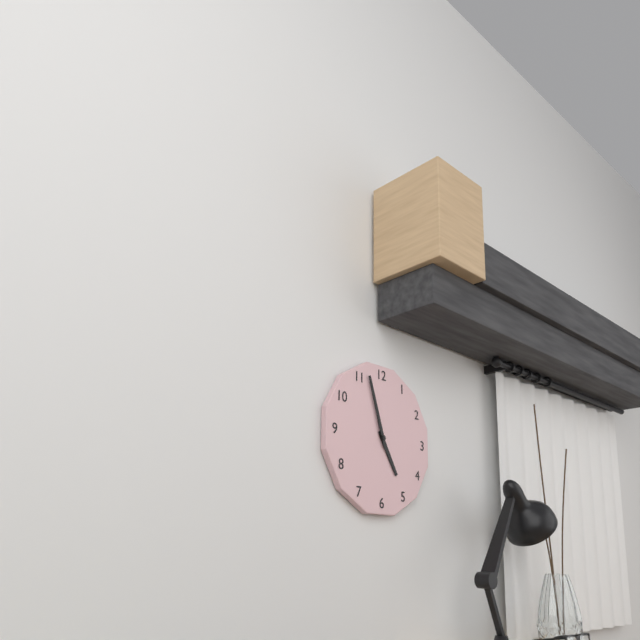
**4:57**
